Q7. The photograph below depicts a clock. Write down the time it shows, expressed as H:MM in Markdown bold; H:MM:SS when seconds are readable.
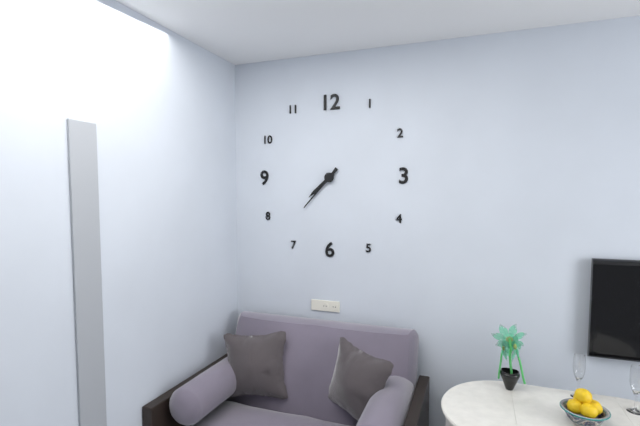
**7:37**
